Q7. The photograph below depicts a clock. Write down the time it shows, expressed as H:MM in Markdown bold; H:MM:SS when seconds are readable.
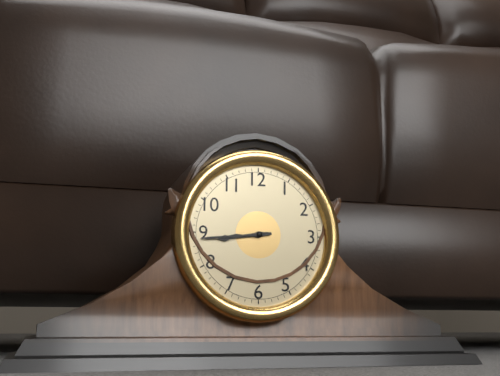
**8:44**
